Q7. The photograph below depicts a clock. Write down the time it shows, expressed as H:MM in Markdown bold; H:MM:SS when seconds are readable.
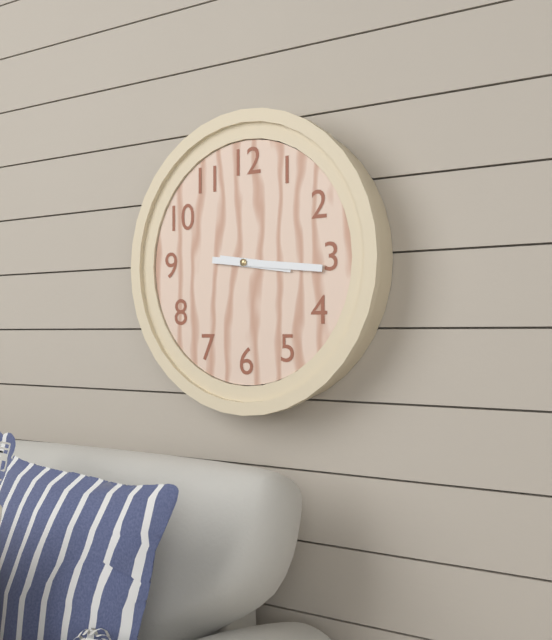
**3:16**
